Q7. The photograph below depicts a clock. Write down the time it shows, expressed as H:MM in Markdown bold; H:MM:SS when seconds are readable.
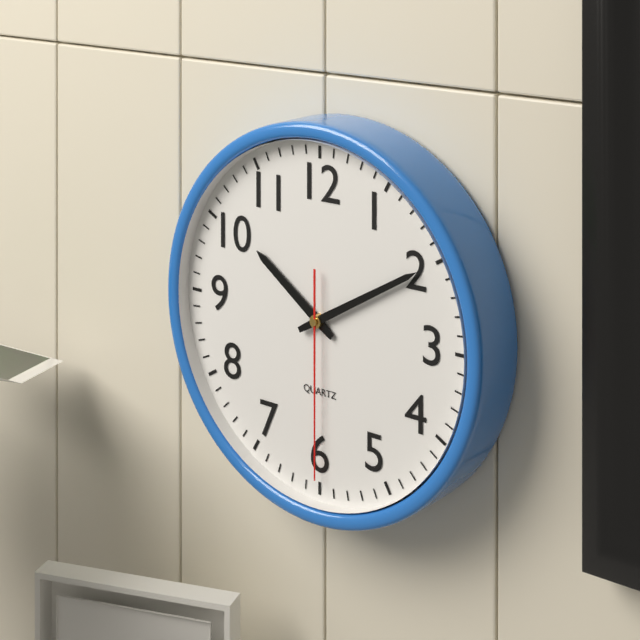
**10:10:30**
